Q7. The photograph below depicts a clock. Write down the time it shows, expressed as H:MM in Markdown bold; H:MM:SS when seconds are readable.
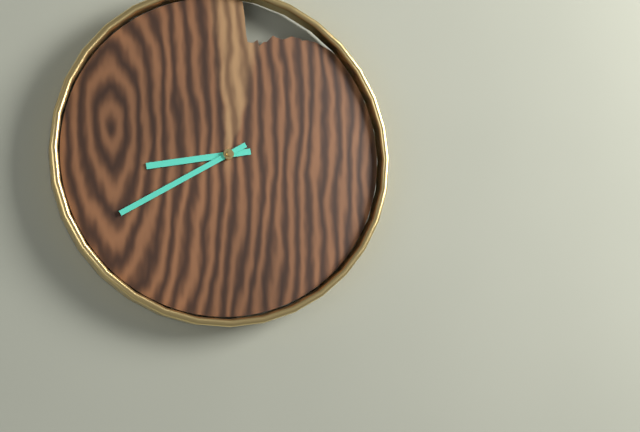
**8:40**
